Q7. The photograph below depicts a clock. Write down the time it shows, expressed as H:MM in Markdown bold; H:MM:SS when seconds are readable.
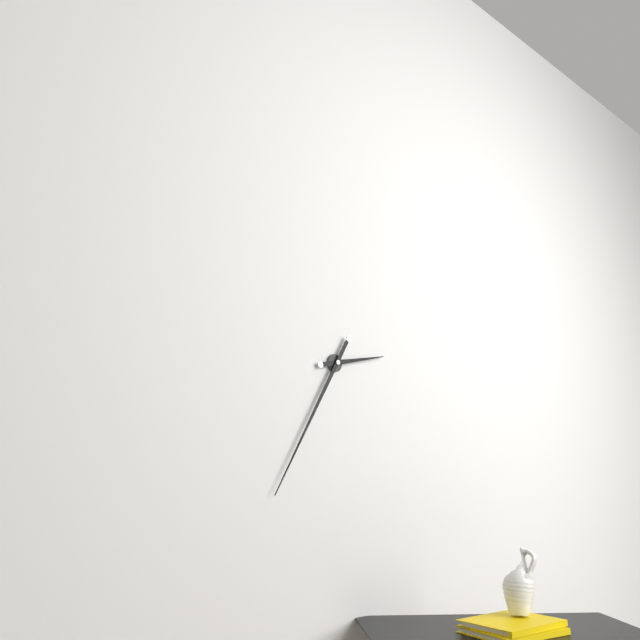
**2:35**
